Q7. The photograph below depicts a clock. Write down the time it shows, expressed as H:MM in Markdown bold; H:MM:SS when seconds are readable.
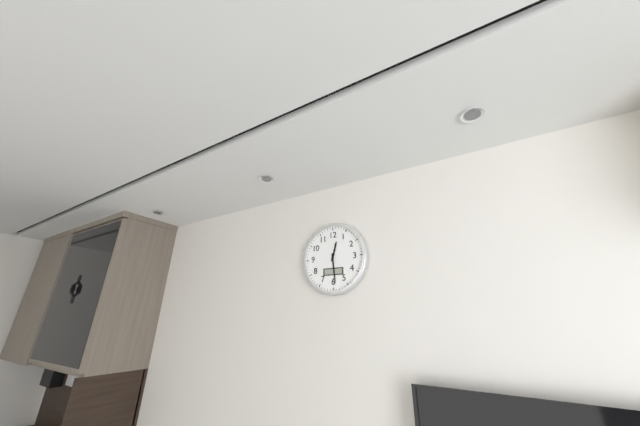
**12:29**
